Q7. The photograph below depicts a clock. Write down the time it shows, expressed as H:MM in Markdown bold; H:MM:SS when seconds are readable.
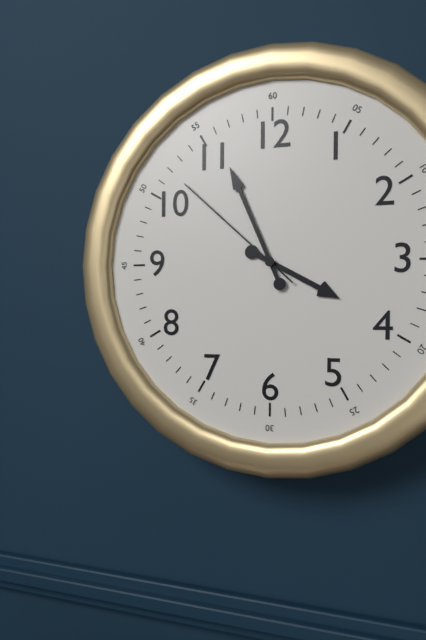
**3:56:52**
